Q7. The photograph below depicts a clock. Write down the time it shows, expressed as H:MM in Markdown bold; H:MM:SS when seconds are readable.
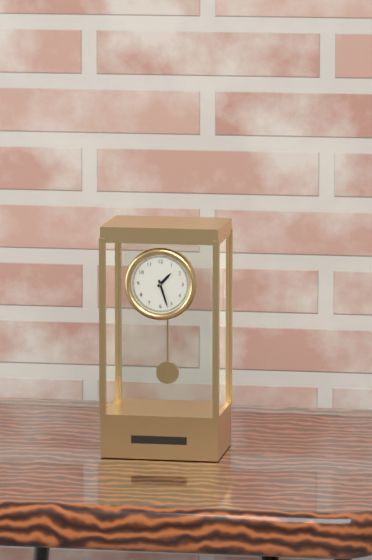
**1:27**
